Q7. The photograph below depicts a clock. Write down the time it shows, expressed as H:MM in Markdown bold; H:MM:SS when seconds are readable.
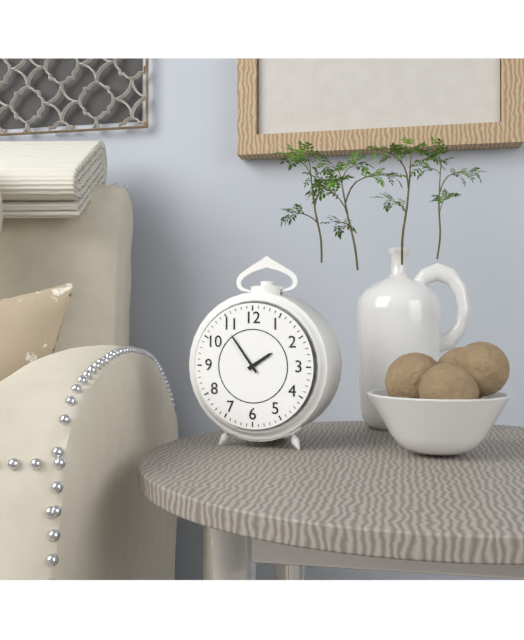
**1:54**
